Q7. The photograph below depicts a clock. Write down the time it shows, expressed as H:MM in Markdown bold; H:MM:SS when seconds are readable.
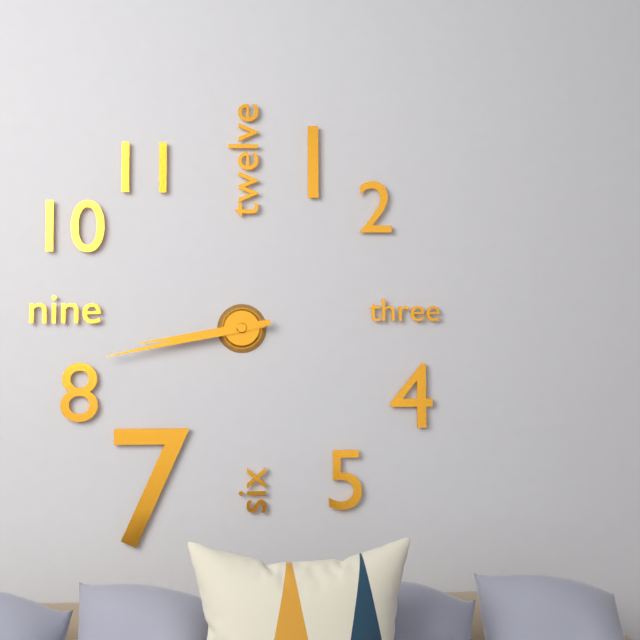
**8:43**
